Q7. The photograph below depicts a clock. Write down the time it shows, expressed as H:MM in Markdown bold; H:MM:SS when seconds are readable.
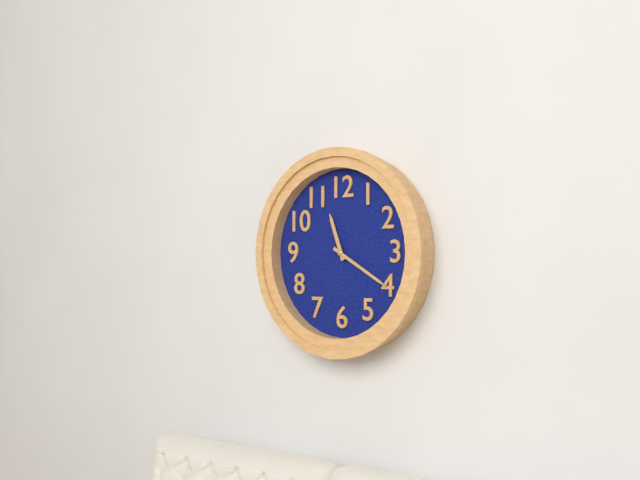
**11:20**
